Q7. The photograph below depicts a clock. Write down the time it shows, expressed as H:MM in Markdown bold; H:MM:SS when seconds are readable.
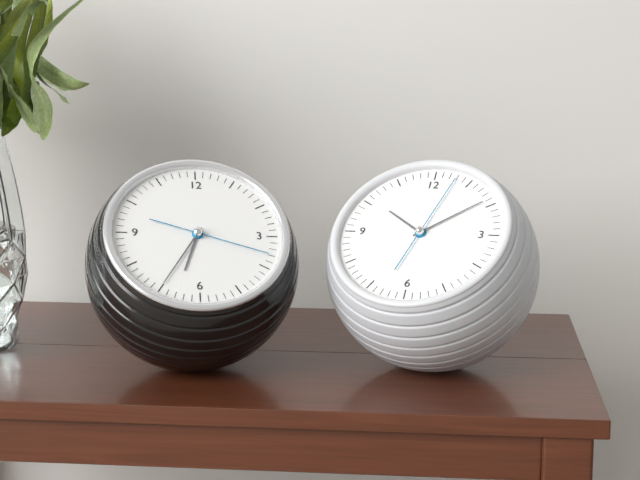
**6:35:18**
